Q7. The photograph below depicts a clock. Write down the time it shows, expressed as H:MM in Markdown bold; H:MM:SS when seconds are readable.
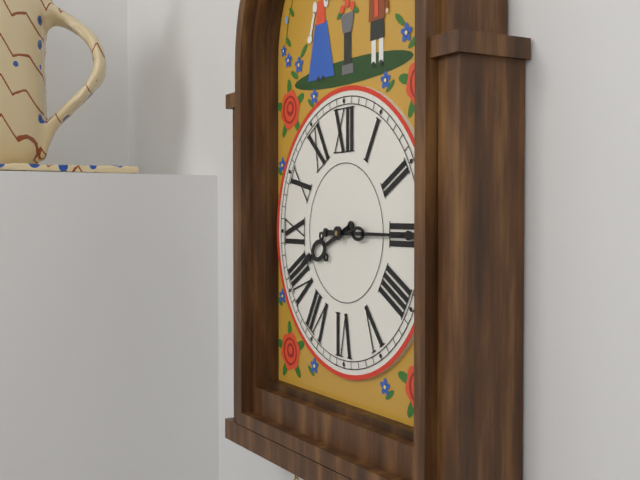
**8:15**
